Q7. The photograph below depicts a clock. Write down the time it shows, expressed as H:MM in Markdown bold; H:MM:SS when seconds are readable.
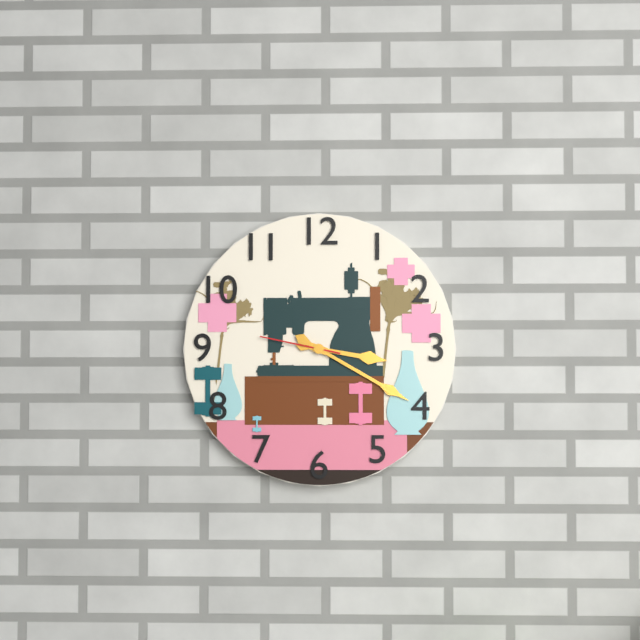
**3:20:47**
